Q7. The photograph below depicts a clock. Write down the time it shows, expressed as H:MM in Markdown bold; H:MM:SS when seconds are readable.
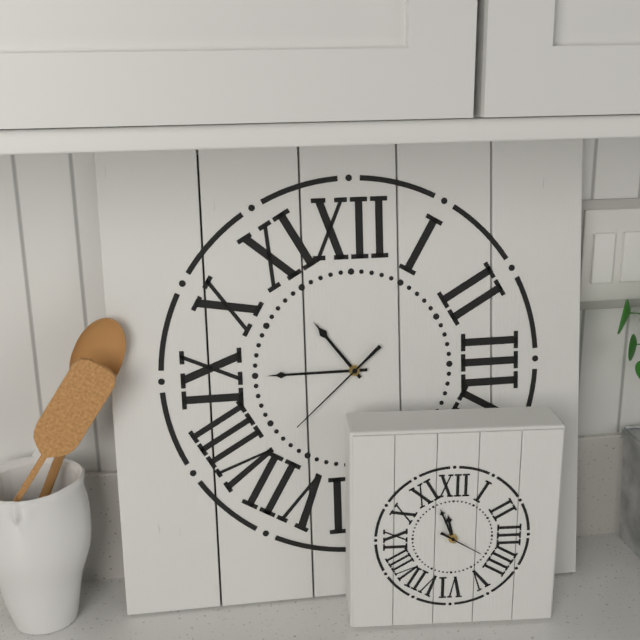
**10:45:38**
